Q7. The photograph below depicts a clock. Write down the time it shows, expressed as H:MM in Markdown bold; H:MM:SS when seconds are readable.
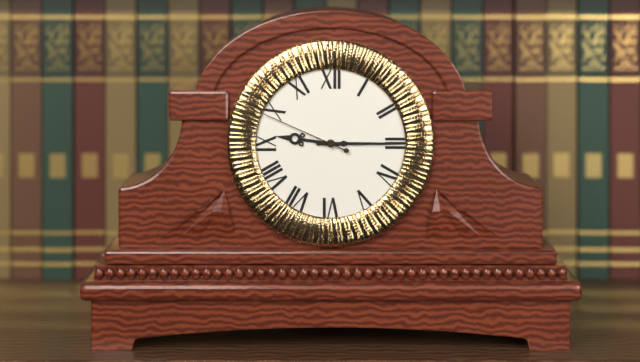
**9:15:49**
